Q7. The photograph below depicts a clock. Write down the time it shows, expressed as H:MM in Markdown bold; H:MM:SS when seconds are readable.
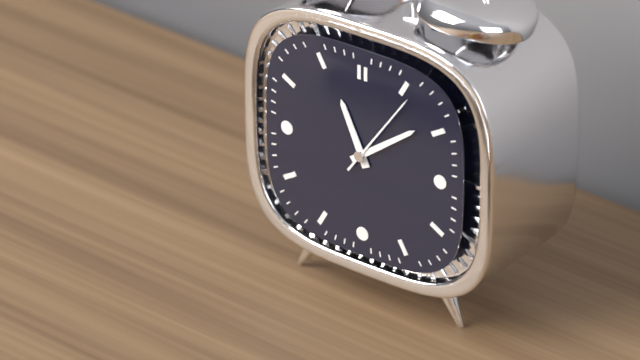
**11:09:06**
